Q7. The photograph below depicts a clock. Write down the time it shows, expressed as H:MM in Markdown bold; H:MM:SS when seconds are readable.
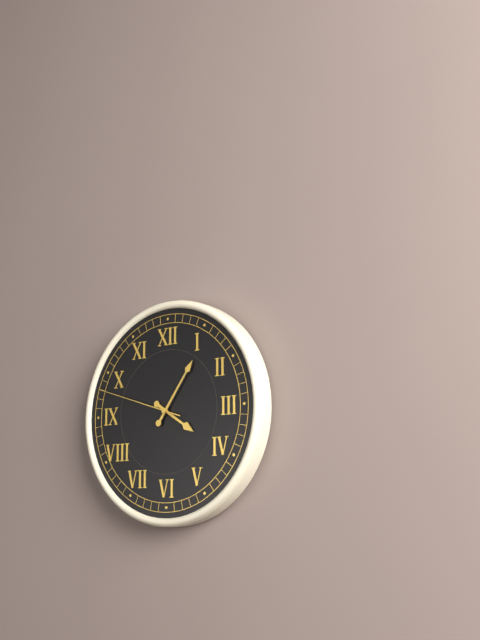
**4:06:48**
